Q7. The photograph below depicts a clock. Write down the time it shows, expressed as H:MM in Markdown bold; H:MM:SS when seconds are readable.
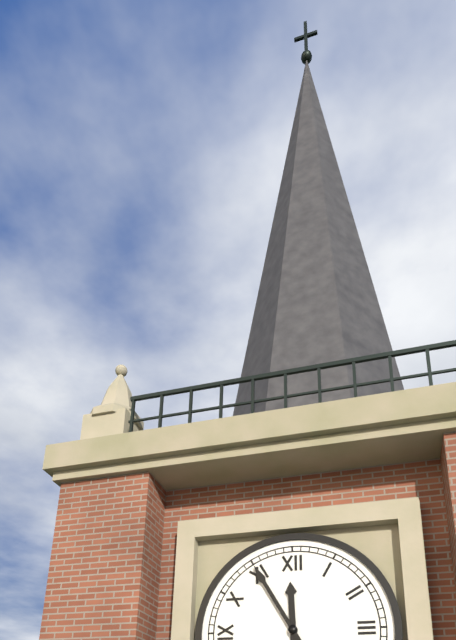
**11:55**
